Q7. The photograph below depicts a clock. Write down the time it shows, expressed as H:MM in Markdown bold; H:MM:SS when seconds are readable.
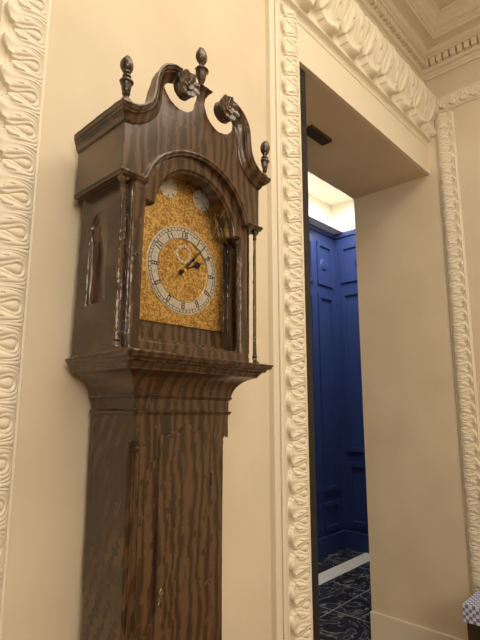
**2:07**
